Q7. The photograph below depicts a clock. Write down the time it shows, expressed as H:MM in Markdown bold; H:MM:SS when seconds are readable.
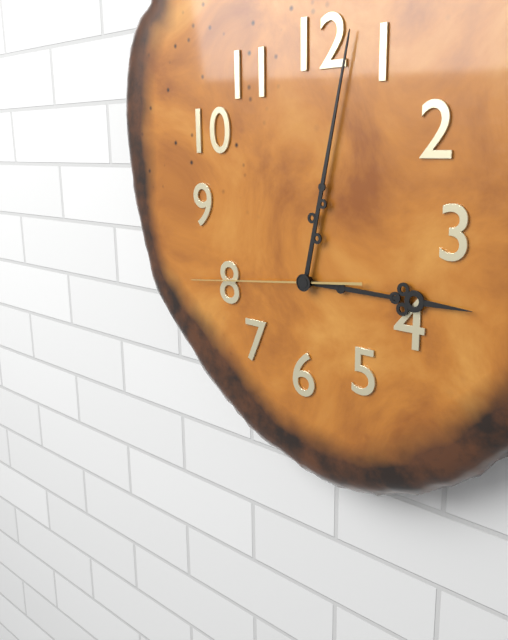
**3:02:44**
